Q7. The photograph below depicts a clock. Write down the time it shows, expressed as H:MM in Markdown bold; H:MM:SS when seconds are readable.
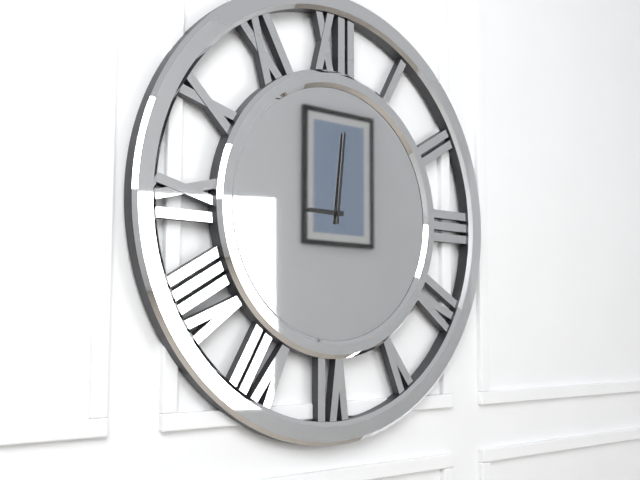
**9:01**
